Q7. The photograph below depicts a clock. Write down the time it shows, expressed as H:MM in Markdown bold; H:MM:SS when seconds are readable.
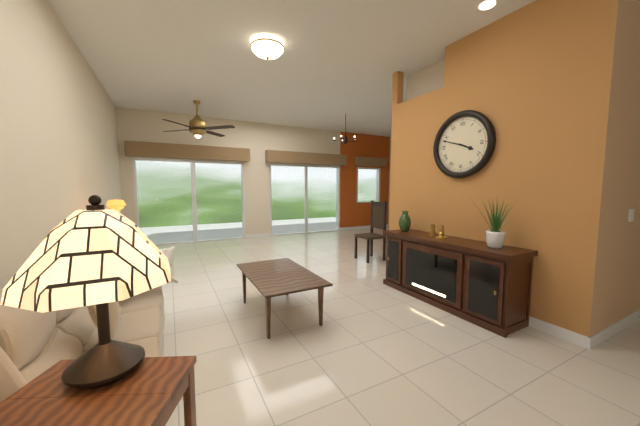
**3:48**
